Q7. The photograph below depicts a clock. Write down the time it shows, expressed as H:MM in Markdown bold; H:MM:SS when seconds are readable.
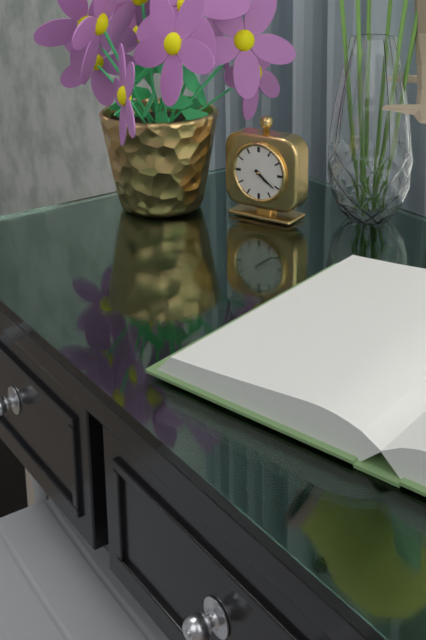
**4:21**
